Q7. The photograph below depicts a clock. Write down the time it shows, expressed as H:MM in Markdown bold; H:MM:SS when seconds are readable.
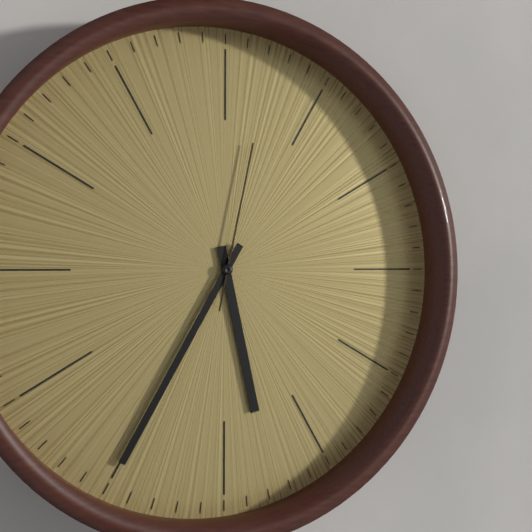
**5:35:02**
